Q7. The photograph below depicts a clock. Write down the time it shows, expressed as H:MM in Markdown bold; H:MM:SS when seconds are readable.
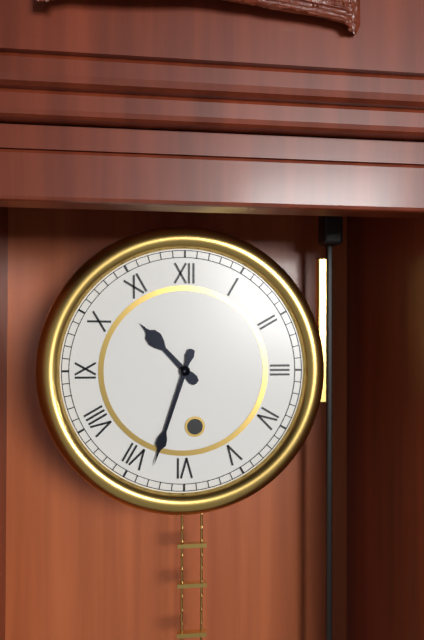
**10:33**
